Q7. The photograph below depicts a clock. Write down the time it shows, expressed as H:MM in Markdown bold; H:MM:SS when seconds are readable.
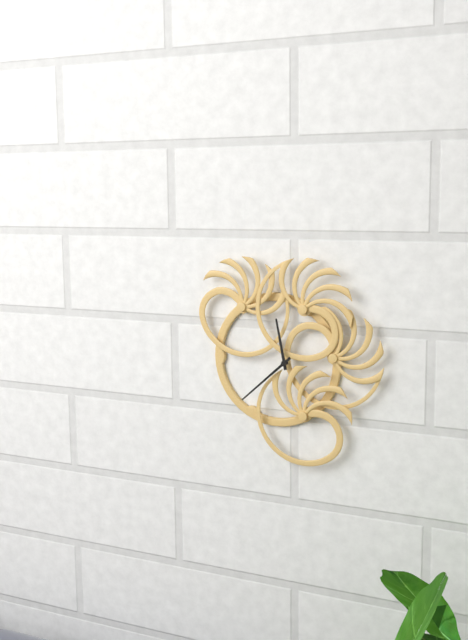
**11:38**
